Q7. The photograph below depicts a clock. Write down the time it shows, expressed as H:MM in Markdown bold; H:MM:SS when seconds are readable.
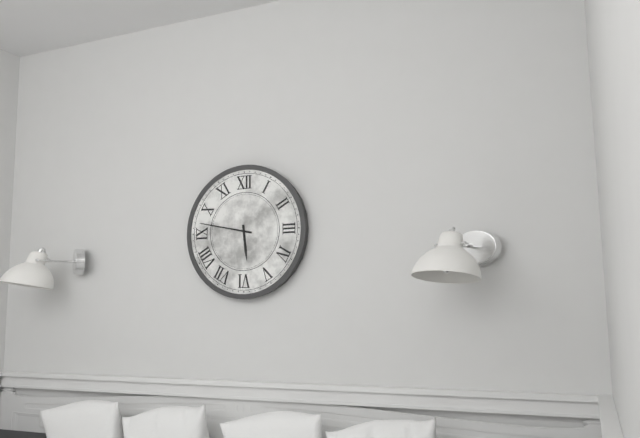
**5:47**
